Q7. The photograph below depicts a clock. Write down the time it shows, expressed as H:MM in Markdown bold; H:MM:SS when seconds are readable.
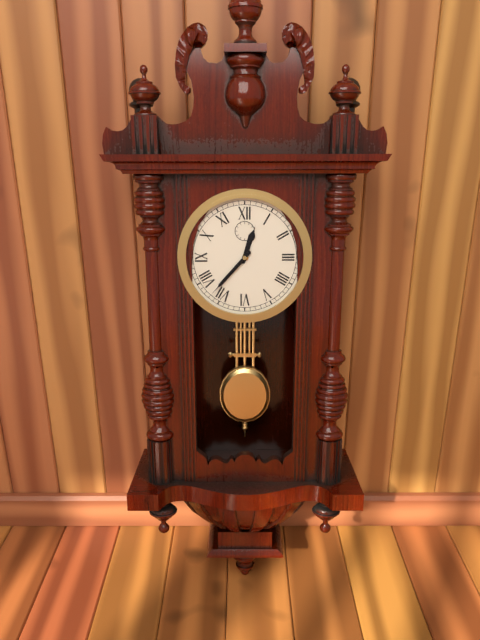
**12:37**
